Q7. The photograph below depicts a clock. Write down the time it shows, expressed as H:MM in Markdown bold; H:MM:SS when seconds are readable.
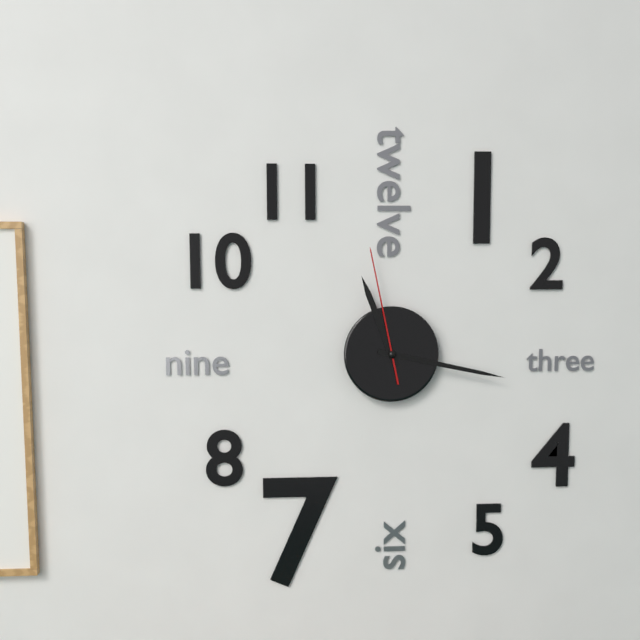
**11:17:58**
